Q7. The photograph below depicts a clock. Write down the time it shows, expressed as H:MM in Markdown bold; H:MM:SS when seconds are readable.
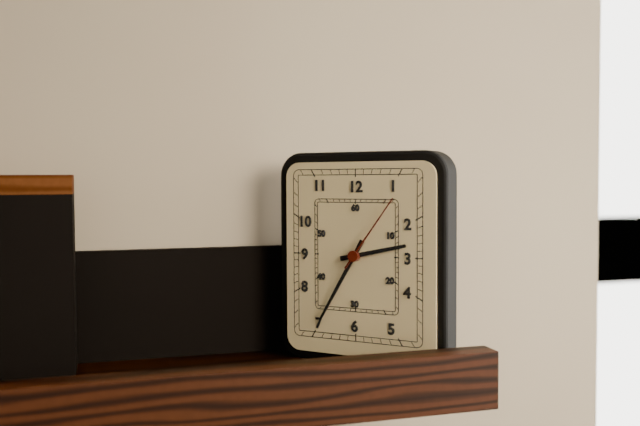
**2:35:06**
